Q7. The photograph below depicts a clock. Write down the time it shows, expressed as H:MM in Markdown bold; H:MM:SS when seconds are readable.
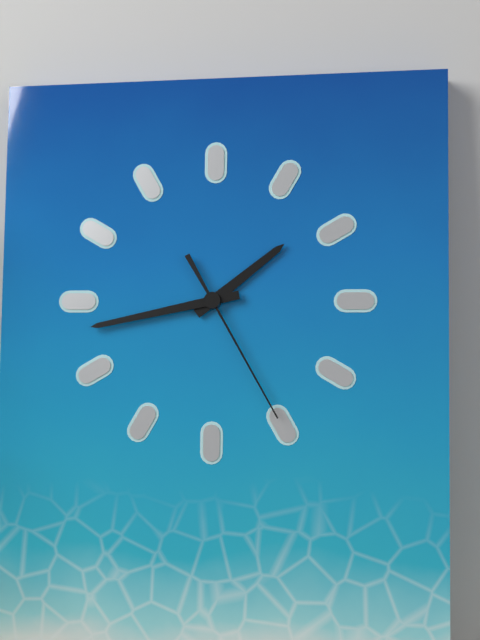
**1:43:25**
